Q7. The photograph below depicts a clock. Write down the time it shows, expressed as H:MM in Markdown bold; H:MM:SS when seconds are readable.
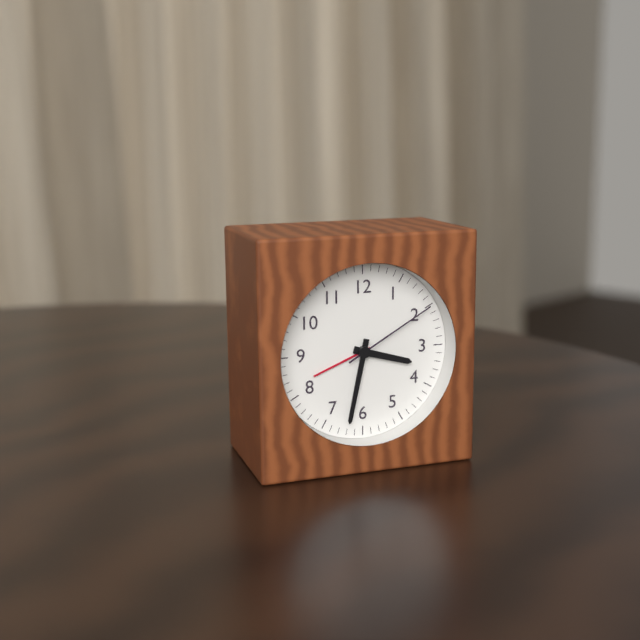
**3:32:10**
